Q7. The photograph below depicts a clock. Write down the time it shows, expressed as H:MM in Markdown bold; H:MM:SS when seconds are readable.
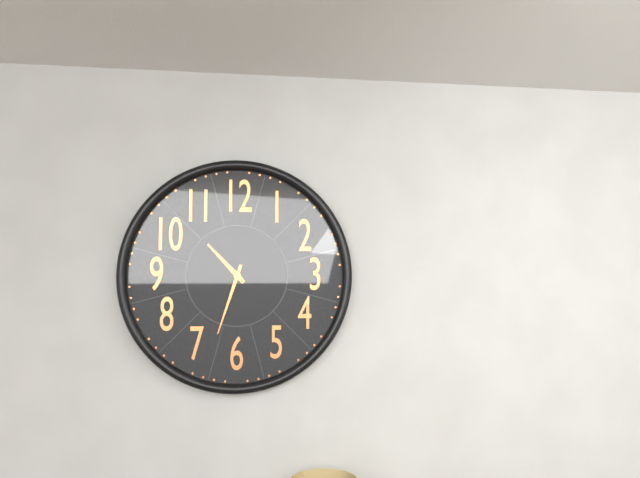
**10:33**
